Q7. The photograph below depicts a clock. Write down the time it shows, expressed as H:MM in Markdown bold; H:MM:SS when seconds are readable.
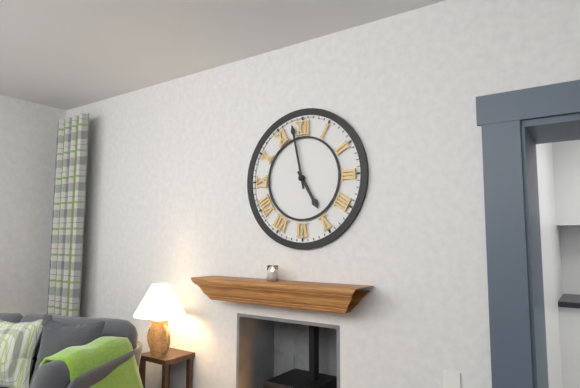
**4:58**
